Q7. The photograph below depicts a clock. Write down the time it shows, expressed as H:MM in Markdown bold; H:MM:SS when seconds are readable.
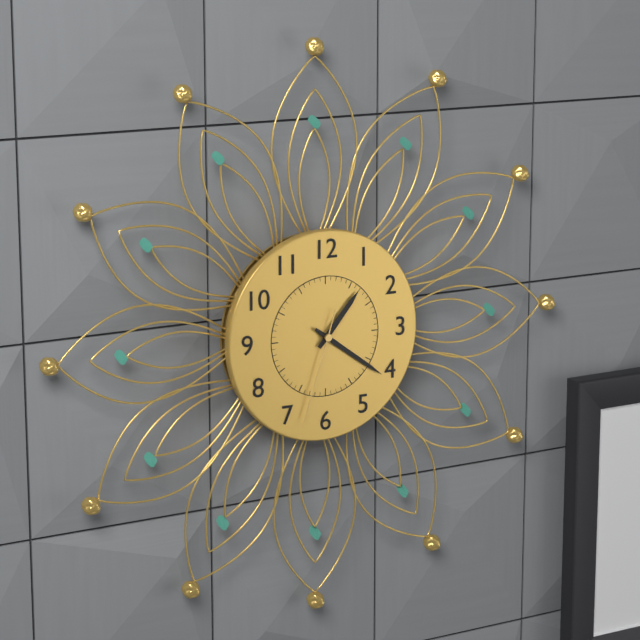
**1:21:33**
